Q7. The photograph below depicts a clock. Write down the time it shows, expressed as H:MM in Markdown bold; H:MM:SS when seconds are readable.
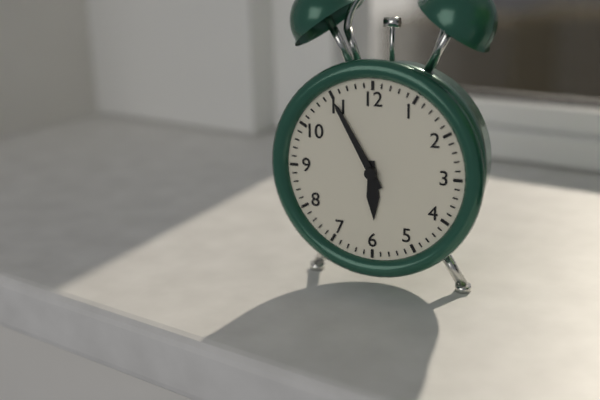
**5:55**
